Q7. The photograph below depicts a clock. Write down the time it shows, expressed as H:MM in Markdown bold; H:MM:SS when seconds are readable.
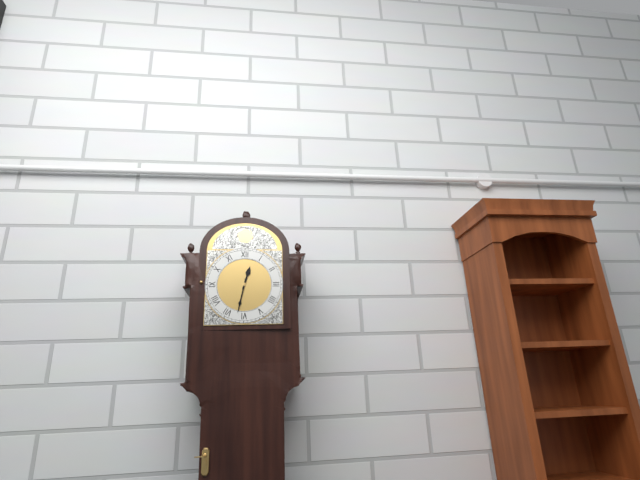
**12:32**
